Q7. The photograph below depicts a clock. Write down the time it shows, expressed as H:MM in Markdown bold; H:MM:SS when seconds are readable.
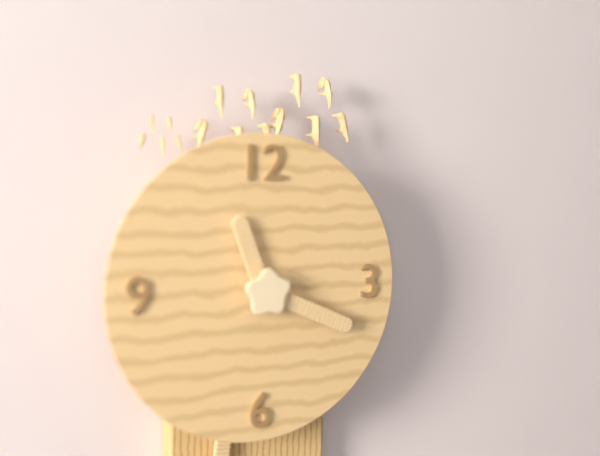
**11:19**
